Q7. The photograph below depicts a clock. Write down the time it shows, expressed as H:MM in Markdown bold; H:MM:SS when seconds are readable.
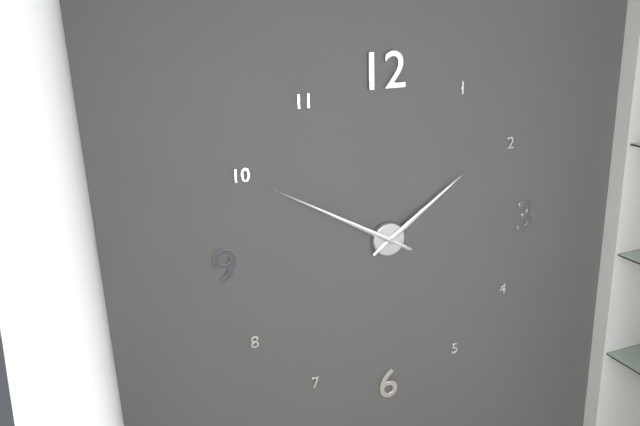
**1:50**
